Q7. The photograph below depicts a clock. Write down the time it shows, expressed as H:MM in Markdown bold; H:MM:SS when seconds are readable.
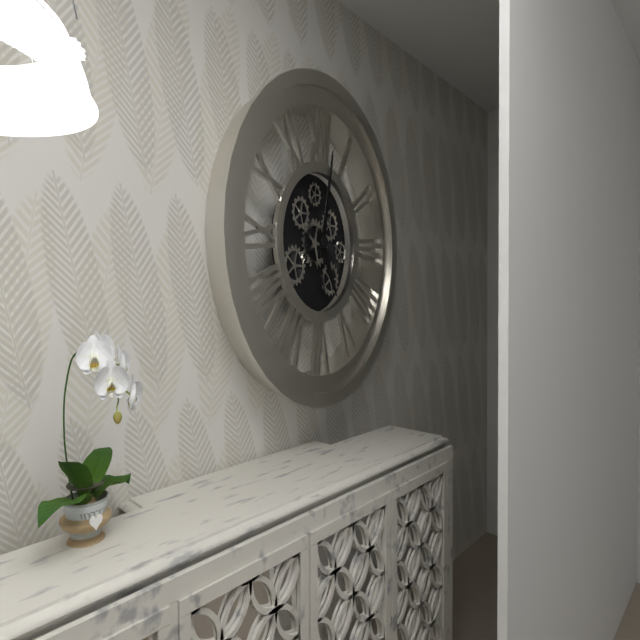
**5:02**
